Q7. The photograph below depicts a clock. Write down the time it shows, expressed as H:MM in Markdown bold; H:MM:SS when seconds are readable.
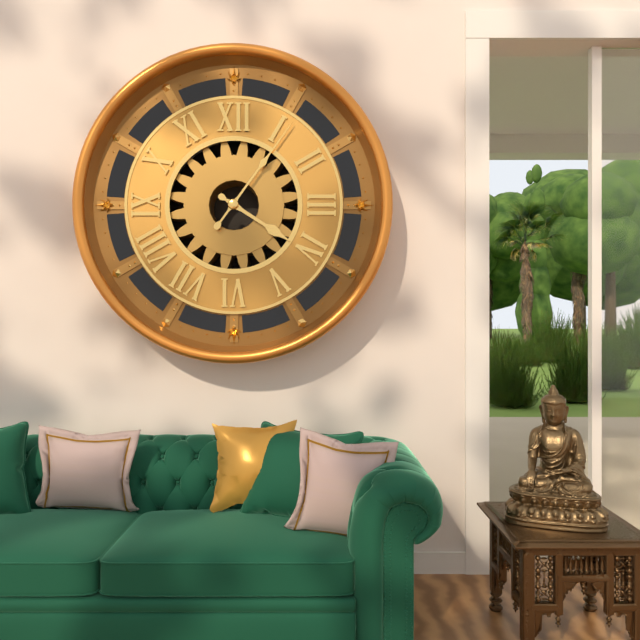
**4:06**
